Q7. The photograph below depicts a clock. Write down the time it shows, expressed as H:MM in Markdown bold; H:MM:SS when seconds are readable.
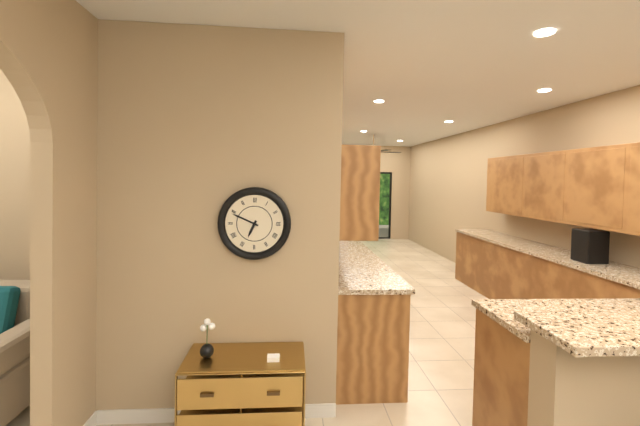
**6:49**
